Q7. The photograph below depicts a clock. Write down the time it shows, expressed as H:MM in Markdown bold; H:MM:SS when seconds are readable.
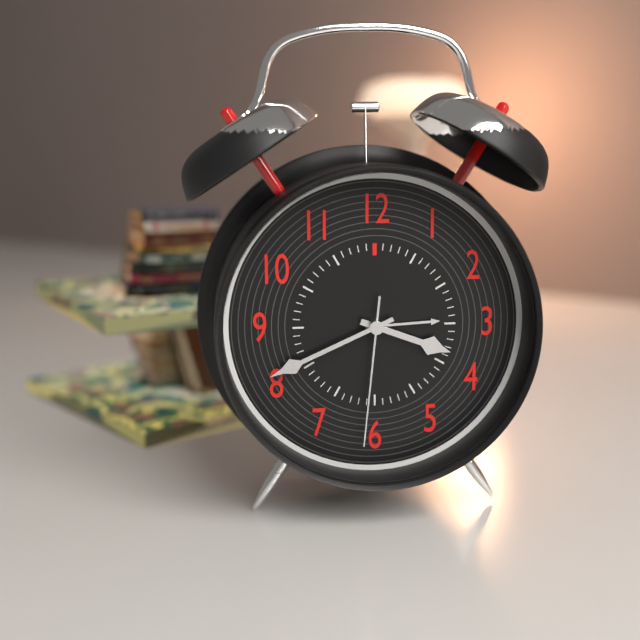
**3:41:31**
